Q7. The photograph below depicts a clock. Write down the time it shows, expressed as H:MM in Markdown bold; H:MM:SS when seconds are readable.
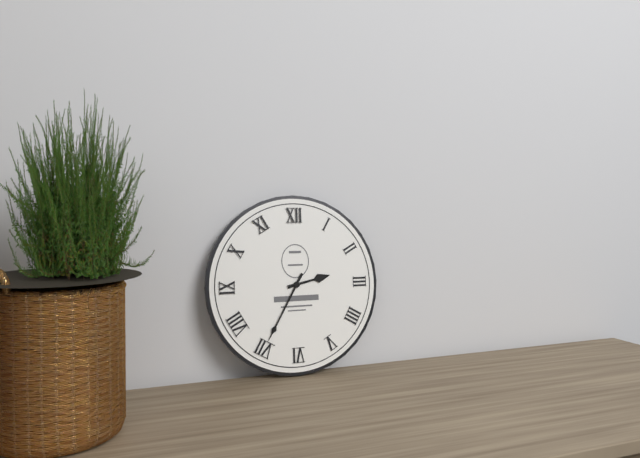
**2:35**
